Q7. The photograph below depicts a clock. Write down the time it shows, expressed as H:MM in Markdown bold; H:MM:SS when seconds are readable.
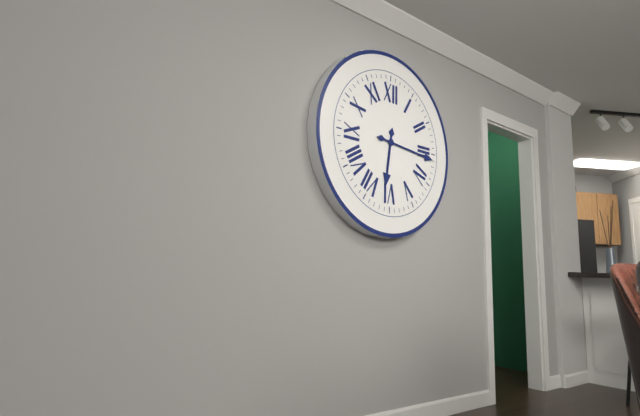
**6:16**
